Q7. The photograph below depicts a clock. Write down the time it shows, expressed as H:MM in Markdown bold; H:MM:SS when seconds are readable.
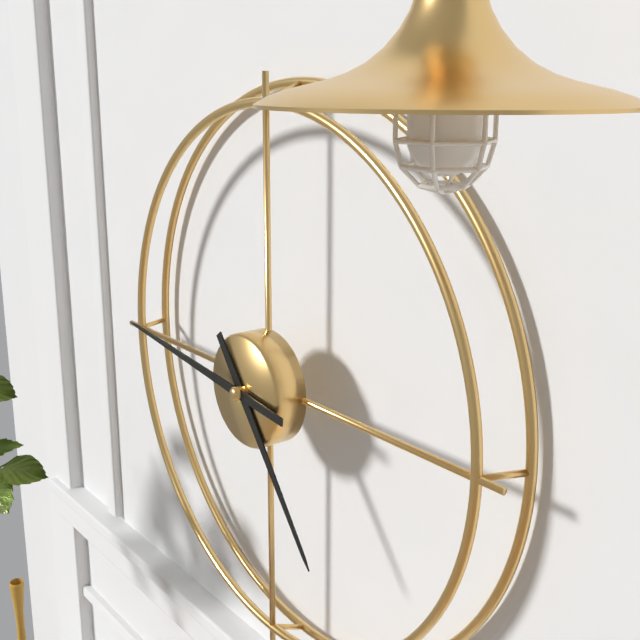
**4:46**
